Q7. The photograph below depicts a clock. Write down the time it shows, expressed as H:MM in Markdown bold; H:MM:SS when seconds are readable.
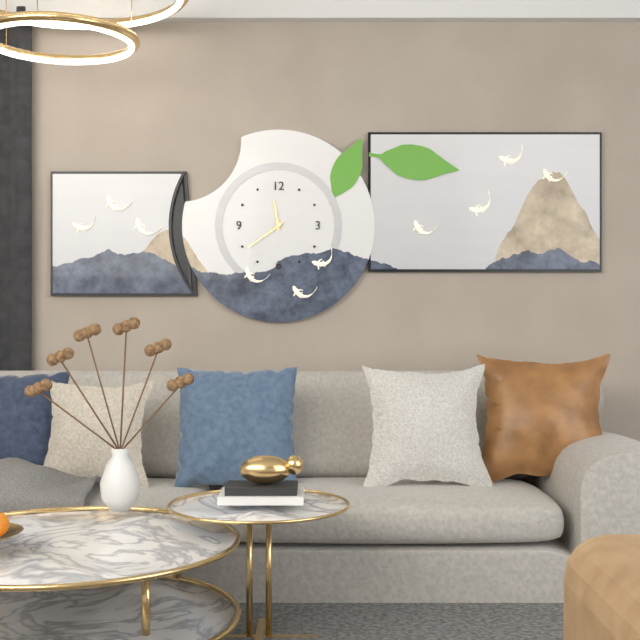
**11:39**
